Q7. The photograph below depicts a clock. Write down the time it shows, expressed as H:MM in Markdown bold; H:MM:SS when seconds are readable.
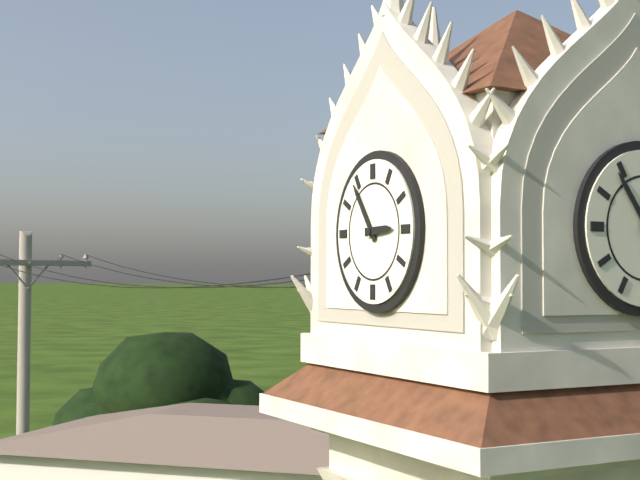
**2:54**
